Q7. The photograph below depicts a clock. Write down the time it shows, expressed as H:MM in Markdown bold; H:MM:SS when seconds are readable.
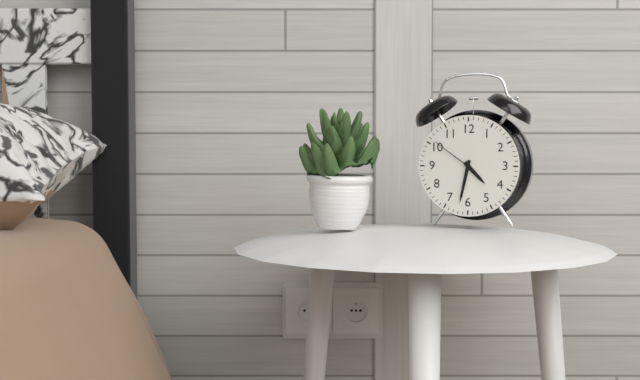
**4:32:51**
